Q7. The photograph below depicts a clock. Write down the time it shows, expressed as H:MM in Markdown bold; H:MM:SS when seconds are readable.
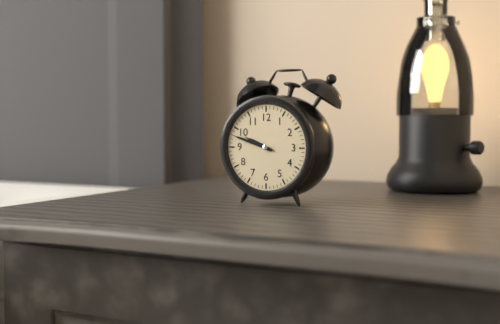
**9:48**
